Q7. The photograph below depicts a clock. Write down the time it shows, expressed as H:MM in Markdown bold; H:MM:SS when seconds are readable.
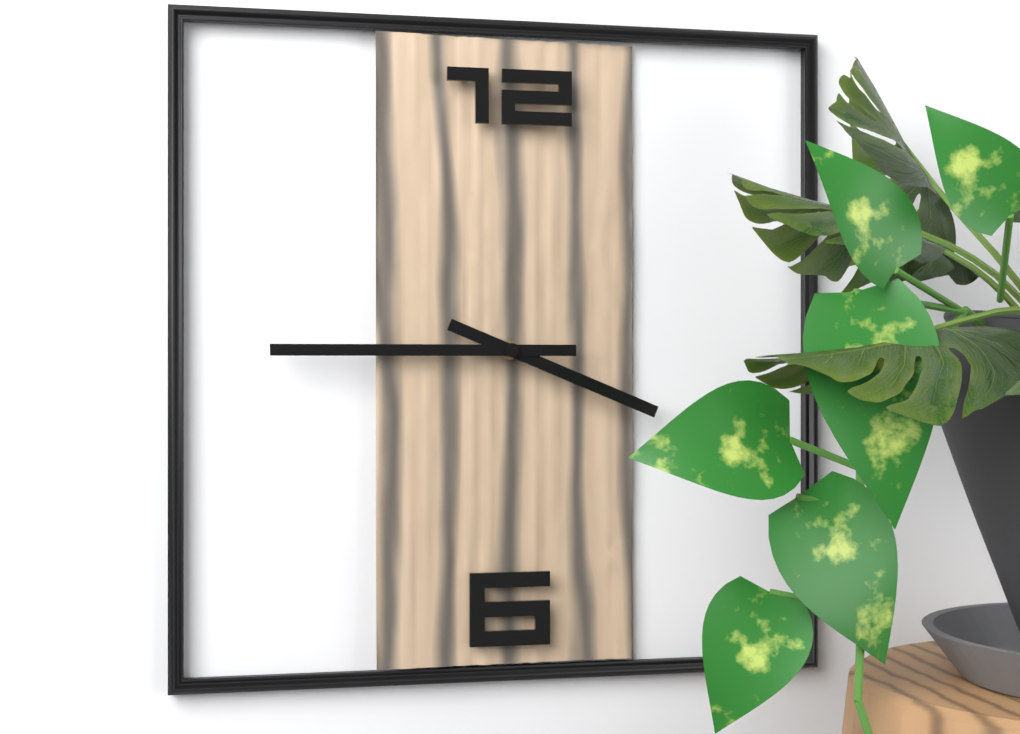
**3:45**
